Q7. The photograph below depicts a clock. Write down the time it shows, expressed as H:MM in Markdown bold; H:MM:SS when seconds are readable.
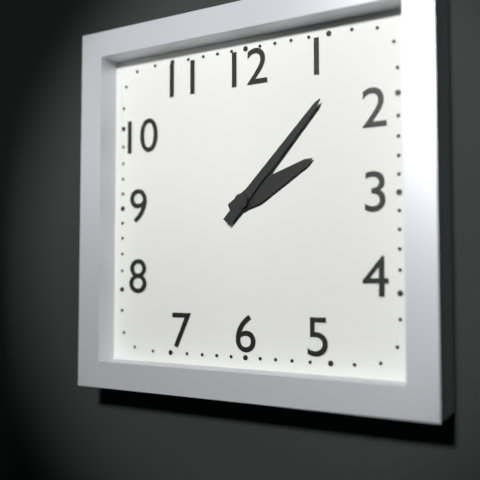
**2:07**
